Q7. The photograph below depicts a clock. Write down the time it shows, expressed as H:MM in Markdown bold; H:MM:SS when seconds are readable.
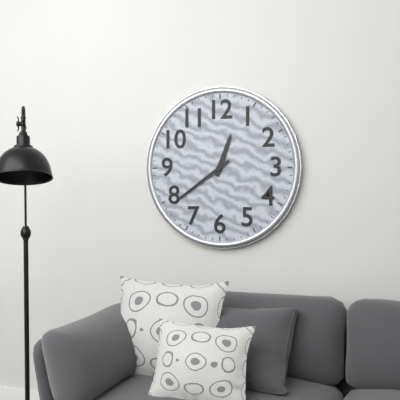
**12:39**
